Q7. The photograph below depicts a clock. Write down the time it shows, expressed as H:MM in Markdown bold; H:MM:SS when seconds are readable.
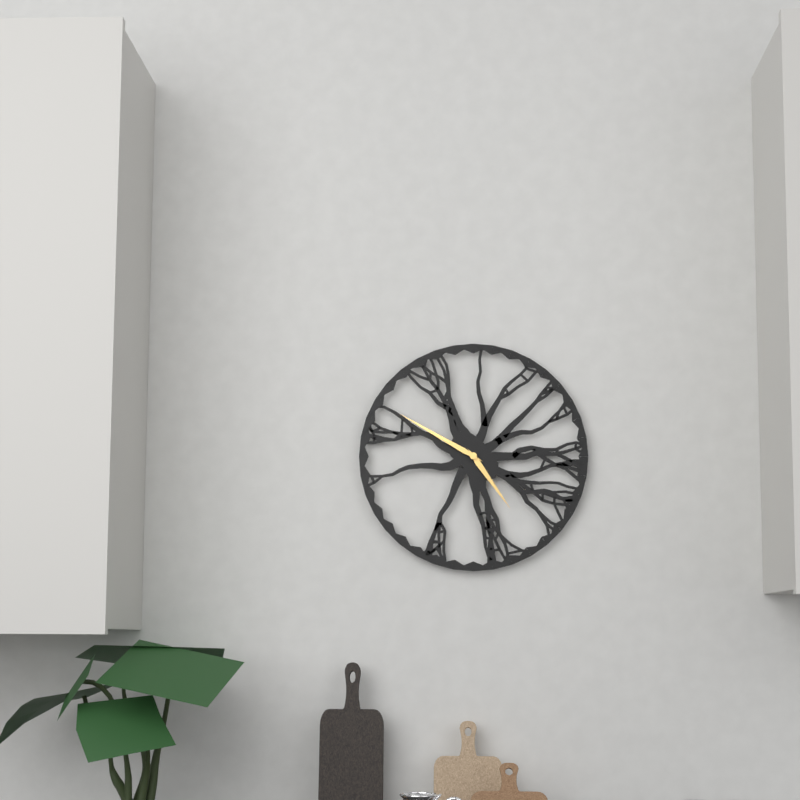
**4:50**
